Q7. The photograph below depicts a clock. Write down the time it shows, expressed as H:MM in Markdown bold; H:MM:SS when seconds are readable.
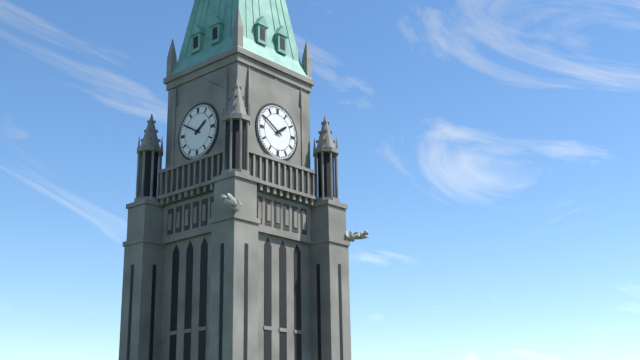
**1:50**
